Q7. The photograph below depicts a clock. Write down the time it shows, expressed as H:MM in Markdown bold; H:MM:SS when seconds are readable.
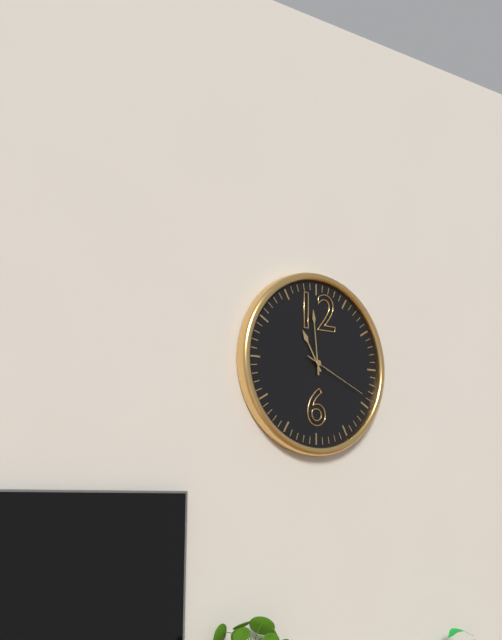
**10:59:19**
